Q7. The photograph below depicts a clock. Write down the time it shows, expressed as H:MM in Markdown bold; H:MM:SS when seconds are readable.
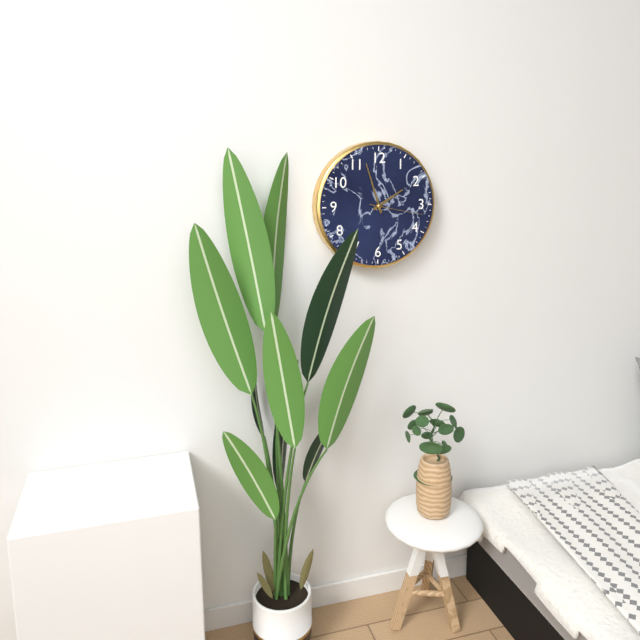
**1:57:17**
